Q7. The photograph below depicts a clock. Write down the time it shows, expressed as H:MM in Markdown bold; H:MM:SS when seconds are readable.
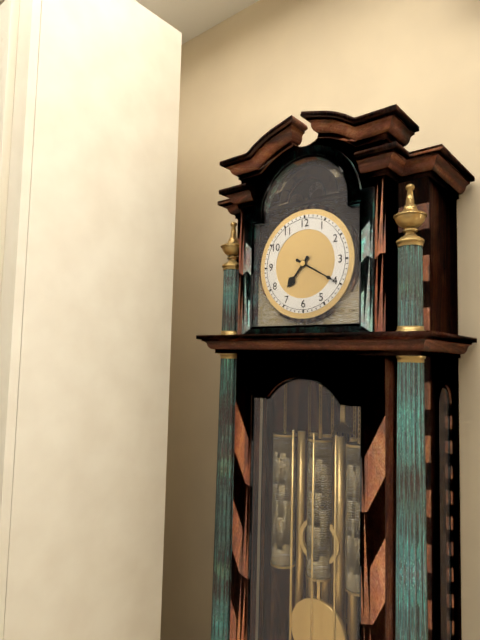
**7:20**
